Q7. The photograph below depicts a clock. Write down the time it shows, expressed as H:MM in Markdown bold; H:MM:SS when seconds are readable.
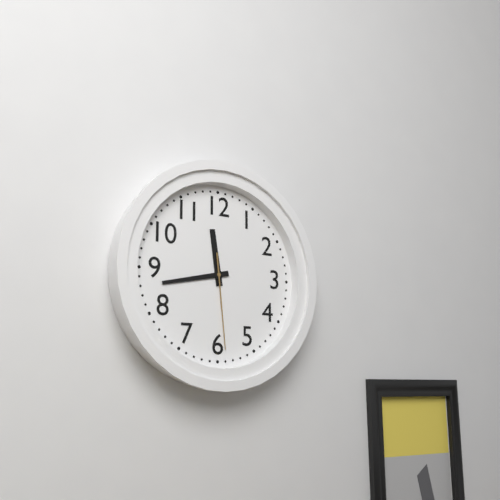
**11:43:29**
